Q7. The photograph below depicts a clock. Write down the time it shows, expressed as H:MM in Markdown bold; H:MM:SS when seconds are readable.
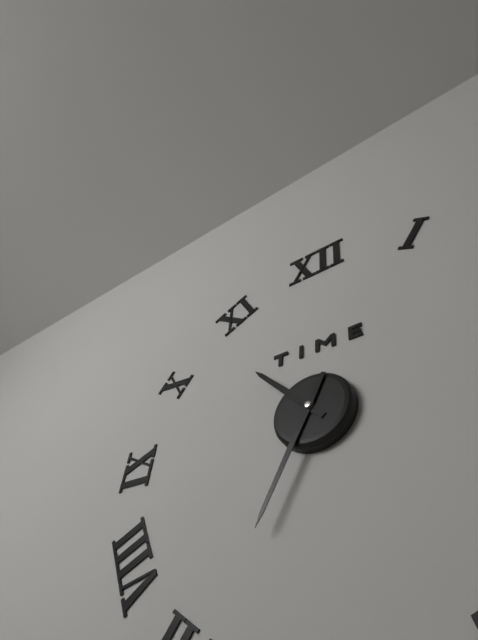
**10:34**
